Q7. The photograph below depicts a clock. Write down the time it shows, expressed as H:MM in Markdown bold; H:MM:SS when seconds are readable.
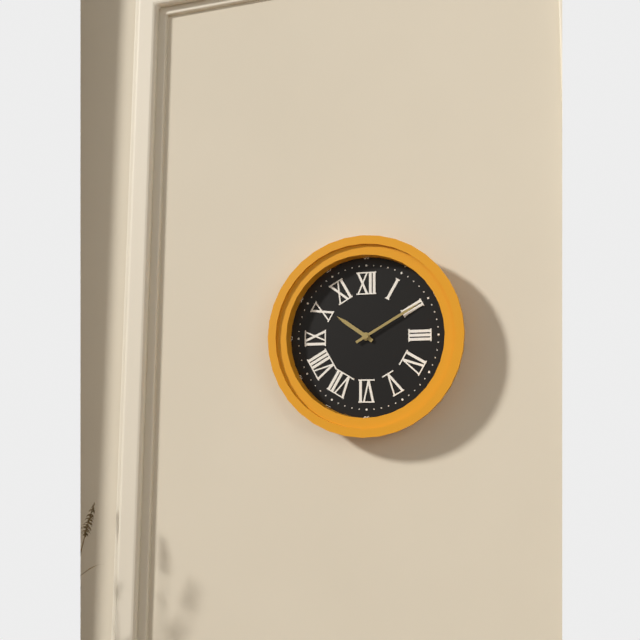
**10:10**
